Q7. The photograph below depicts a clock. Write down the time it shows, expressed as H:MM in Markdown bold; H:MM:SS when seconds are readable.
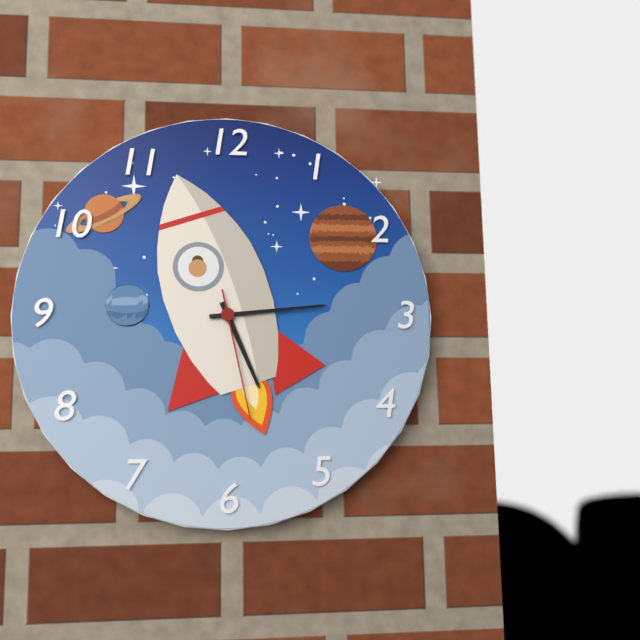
**5:14:28**
